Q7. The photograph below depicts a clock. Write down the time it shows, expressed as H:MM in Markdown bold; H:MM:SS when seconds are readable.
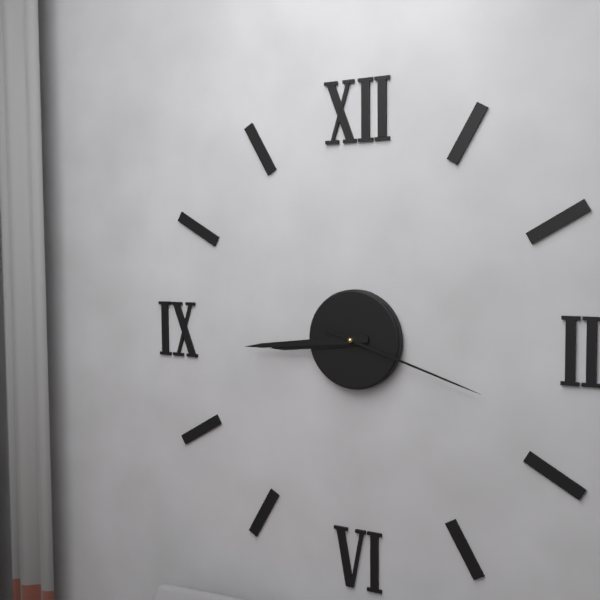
**8:44:18**
